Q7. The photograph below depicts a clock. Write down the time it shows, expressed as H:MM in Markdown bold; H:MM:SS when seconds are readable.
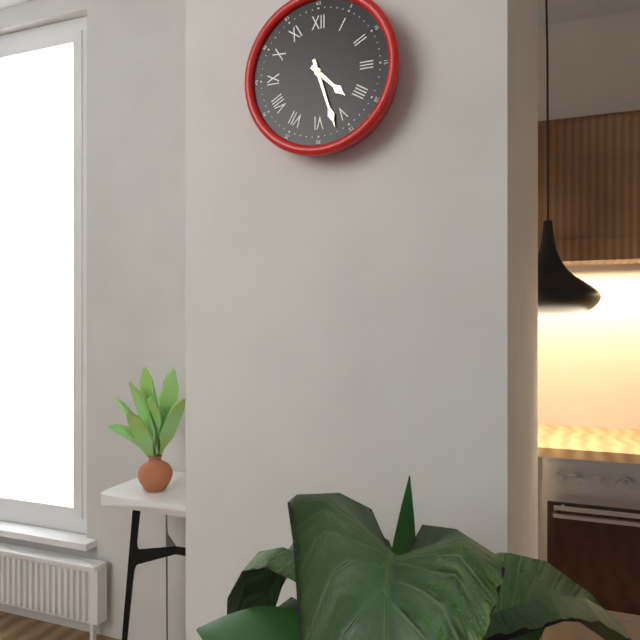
**4:27**
